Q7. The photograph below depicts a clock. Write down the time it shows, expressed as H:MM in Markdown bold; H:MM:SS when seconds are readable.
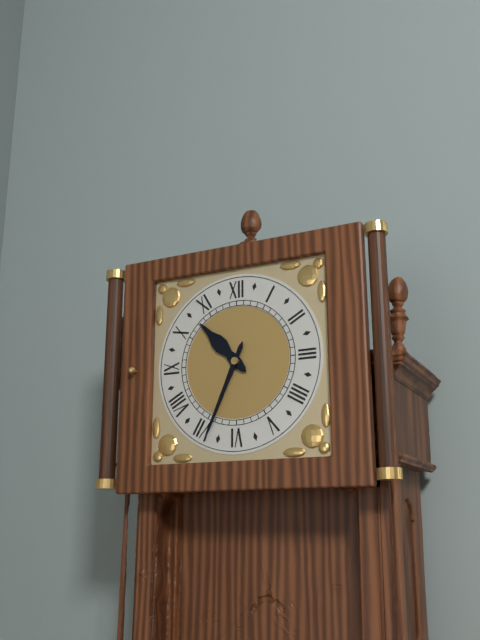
**10:34**
